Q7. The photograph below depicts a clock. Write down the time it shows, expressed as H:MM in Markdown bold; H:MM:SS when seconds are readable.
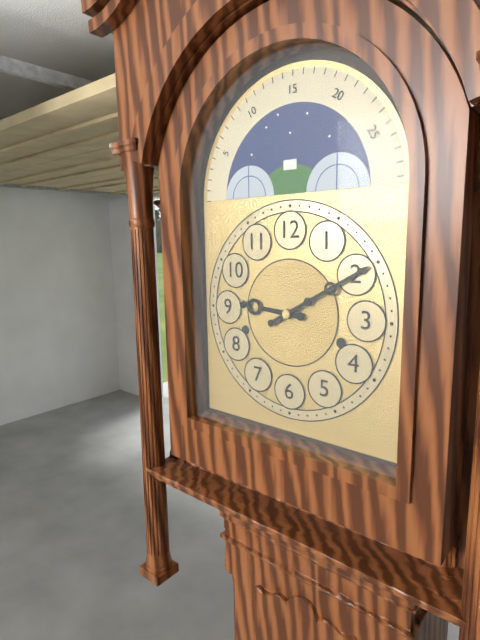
**9:10**
